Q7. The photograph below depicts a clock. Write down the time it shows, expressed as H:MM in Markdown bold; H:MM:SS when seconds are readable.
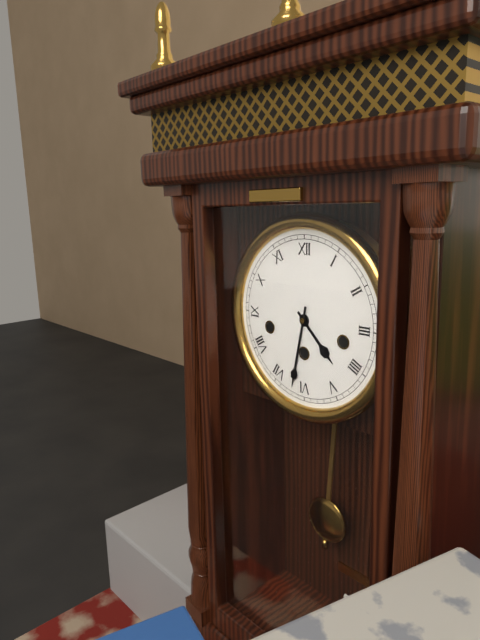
**4:32**
